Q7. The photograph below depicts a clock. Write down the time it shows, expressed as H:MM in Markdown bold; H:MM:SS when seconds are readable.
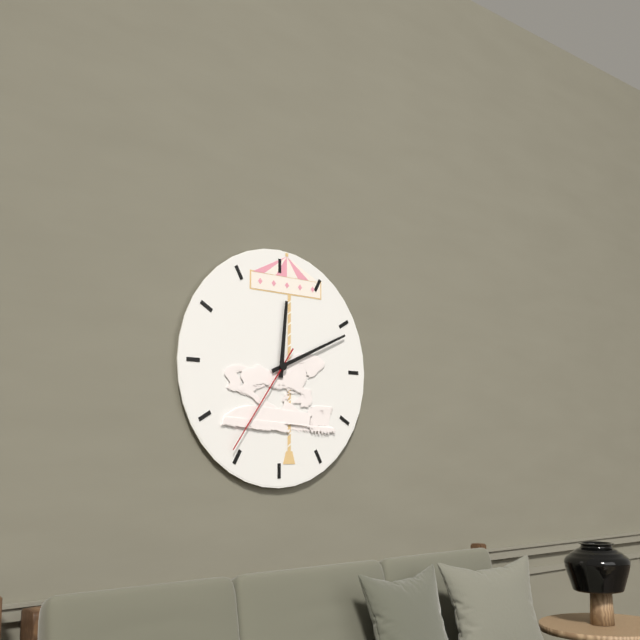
**12:11:36**
